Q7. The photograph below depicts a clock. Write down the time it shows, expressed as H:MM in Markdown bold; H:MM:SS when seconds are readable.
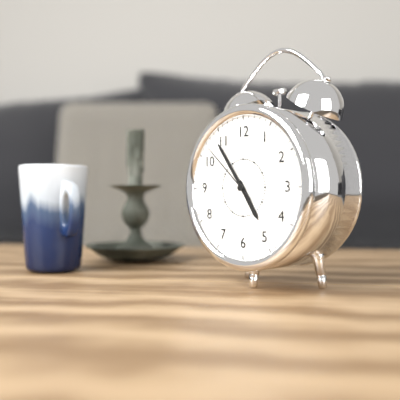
**4:54:52**
